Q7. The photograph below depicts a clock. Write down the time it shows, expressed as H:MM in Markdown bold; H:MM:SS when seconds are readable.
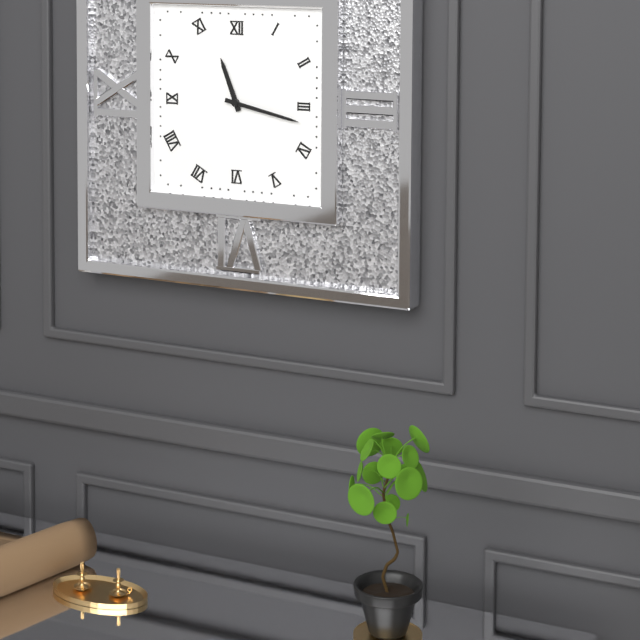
**11:17**
